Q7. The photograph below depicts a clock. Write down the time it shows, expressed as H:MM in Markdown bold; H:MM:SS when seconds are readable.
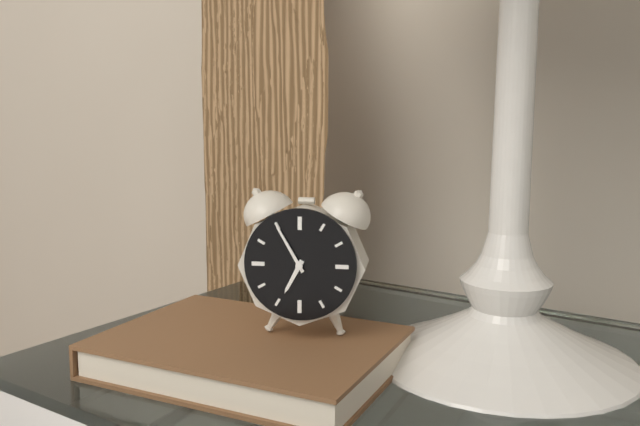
**6:55**
